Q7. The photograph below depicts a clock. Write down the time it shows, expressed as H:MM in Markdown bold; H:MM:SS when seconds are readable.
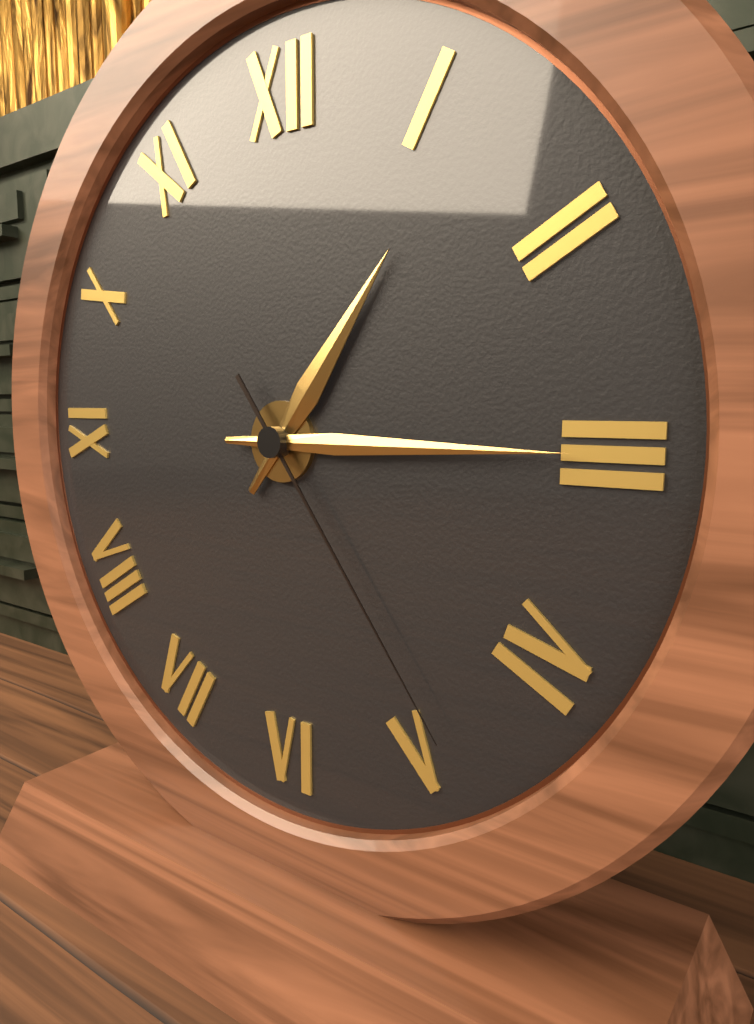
**1:15:24**
